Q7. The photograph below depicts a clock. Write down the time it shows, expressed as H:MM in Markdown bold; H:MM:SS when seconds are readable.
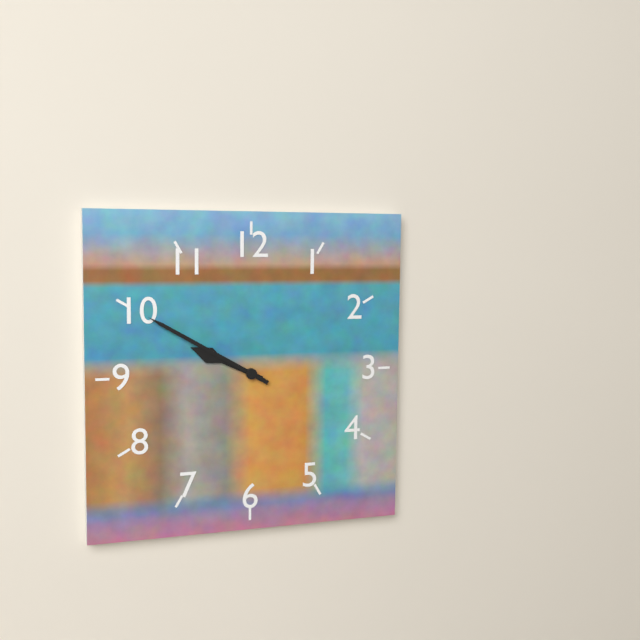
**9:50**
